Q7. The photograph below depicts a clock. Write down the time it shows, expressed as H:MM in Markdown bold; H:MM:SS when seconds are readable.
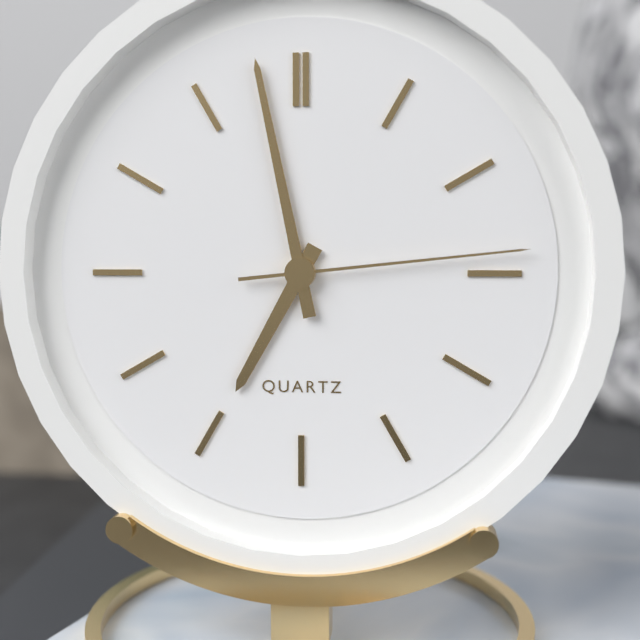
**6:58:14**
